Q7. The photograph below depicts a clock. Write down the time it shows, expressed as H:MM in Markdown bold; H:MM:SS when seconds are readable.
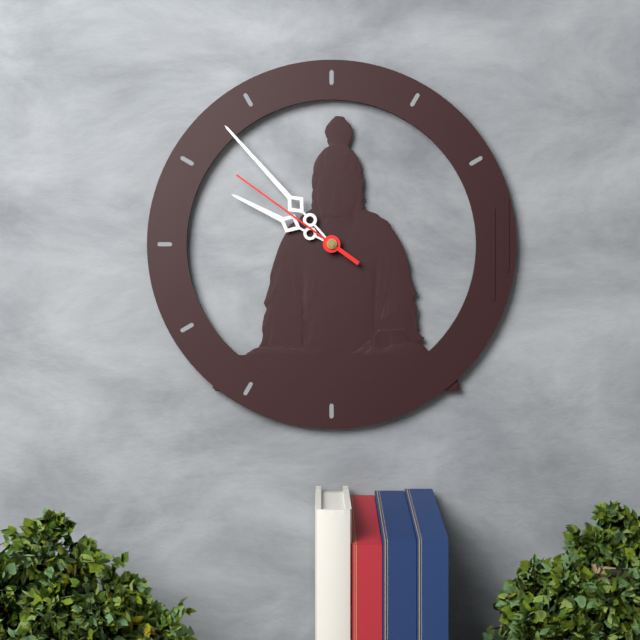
**9:53:51**
